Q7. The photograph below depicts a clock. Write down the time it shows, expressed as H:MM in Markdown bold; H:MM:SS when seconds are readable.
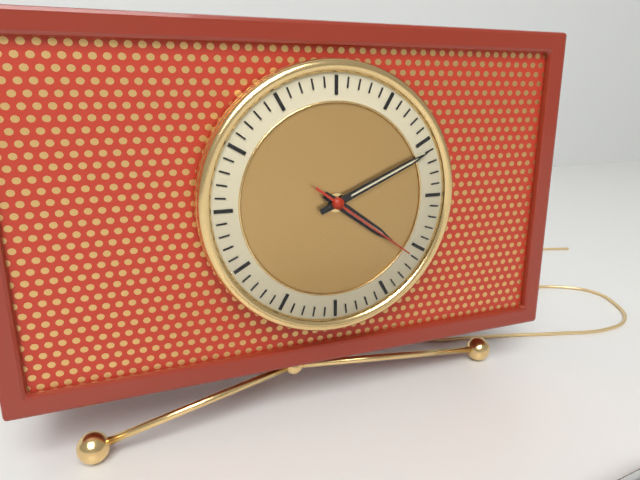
**4:11:21**
